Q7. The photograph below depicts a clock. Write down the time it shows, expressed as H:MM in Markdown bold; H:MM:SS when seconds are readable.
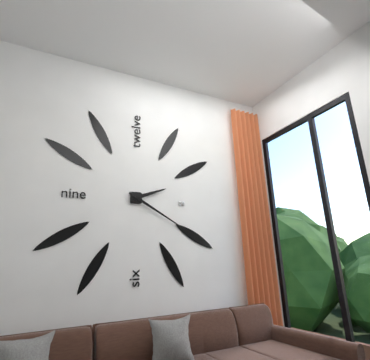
**2:20**
